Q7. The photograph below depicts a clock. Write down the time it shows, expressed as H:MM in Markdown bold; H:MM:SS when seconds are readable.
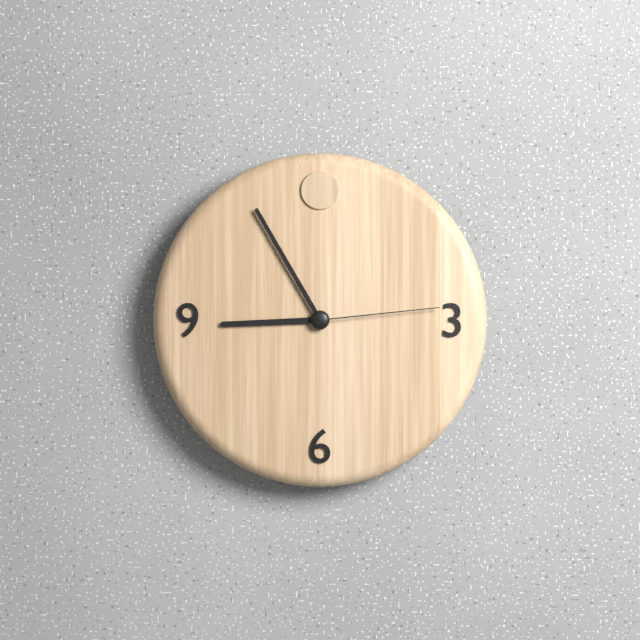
**8:55:14**
